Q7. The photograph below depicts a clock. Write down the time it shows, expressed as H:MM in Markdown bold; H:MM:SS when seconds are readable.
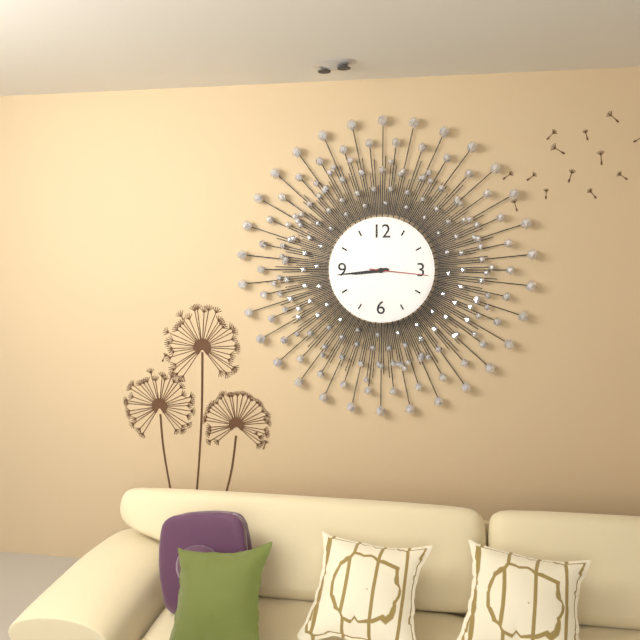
**8:44:16**
